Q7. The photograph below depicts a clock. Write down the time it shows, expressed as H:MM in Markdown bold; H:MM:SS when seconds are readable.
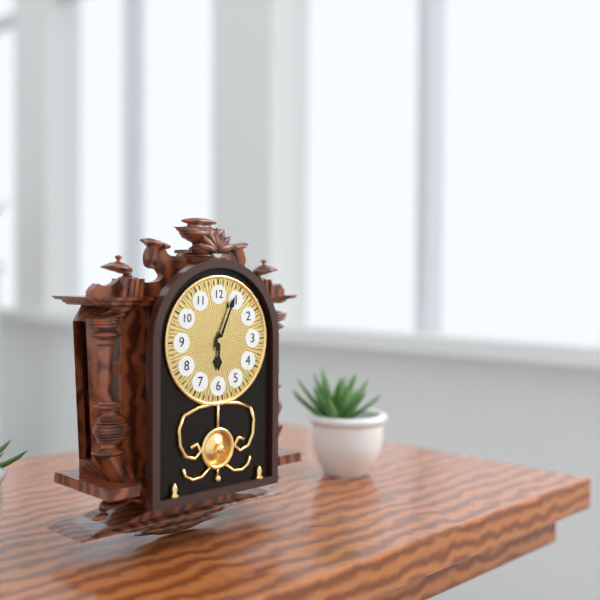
**6:04**
